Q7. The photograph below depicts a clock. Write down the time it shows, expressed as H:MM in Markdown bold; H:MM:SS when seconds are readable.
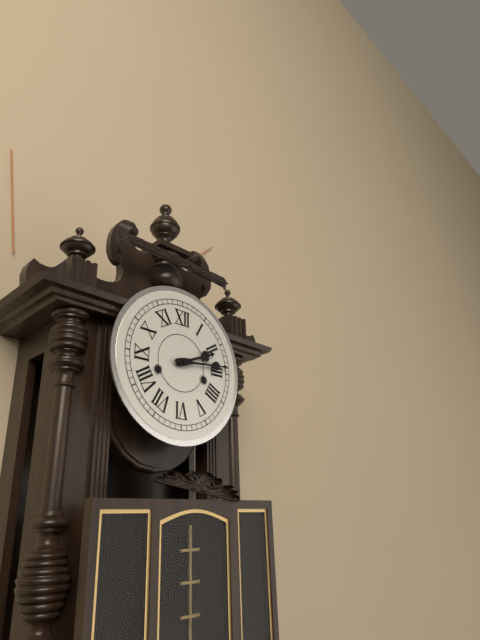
**2:14**
